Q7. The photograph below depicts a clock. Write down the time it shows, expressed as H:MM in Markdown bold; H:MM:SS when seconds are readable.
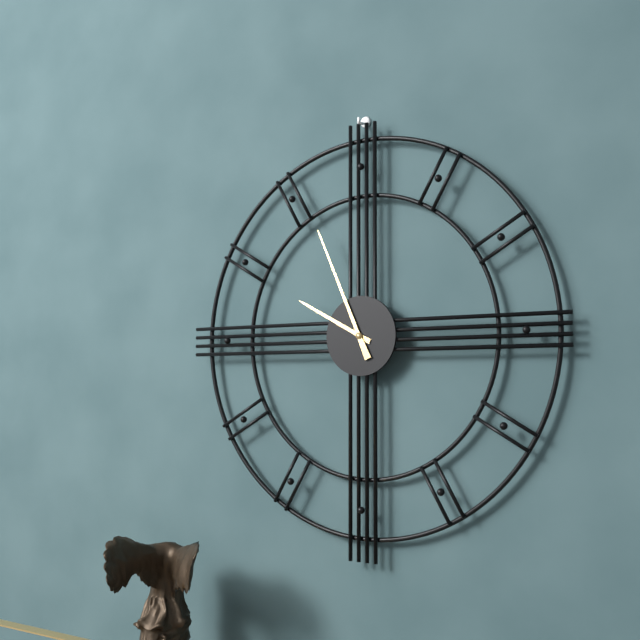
**9:56**
